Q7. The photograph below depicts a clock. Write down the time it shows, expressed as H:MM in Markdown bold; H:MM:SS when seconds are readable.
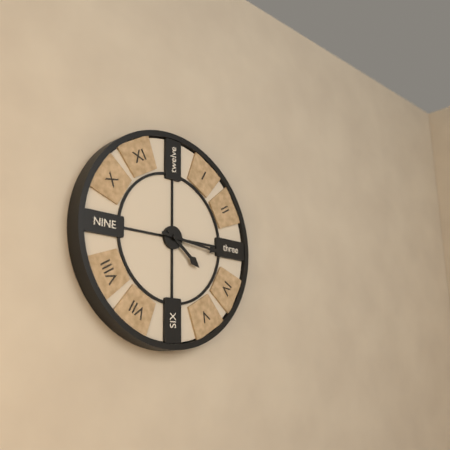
**4:16**
